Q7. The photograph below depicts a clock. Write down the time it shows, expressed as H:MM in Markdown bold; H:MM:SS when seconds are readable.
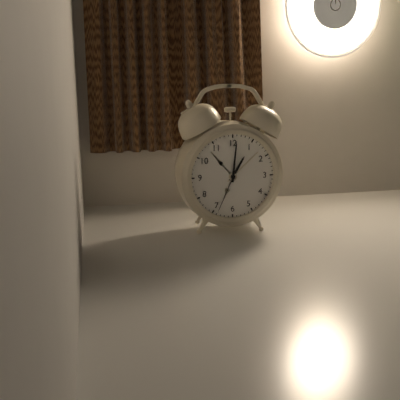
**1:01**
